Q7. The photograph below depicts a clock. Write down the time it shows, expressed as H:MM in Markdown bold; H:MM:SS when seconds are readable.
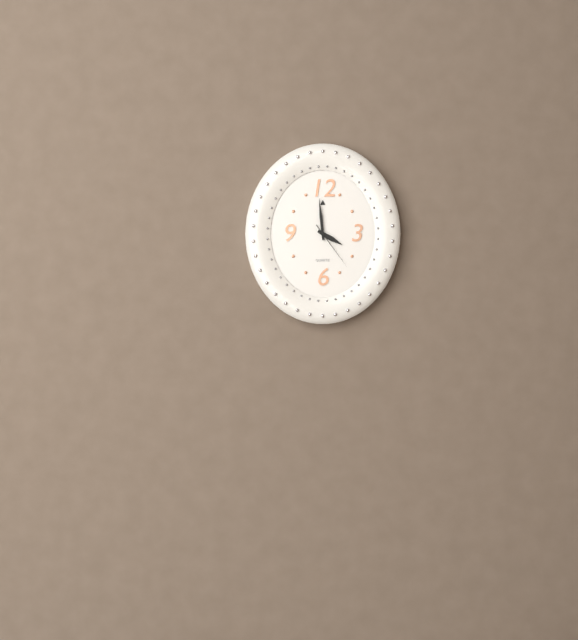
**3:59:24**
